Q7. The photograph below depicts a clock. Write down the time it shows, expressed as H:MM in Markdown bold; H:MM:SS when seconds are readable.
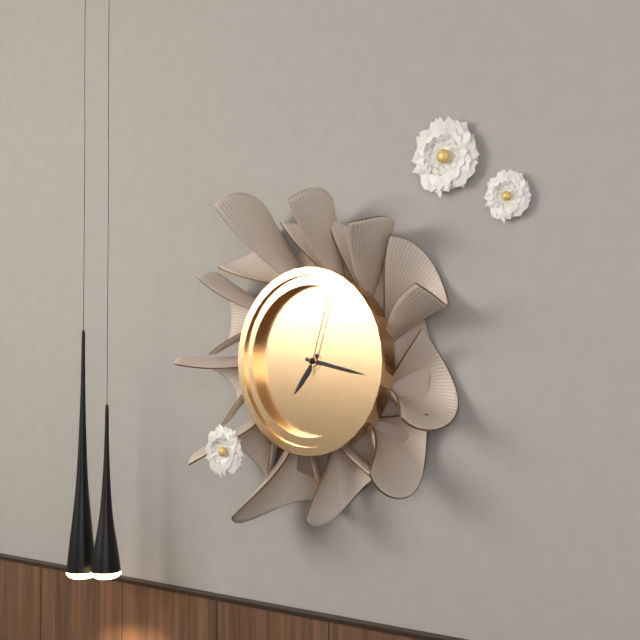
**7:17:03**
